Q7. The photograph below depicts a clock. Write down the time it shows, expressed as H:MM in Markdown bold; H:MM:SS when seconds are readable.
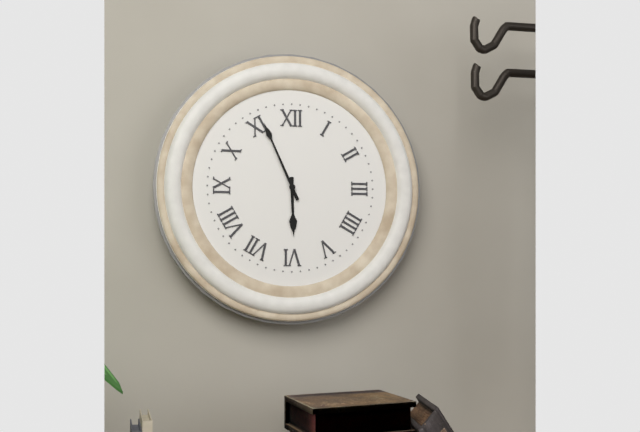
**5:56**
